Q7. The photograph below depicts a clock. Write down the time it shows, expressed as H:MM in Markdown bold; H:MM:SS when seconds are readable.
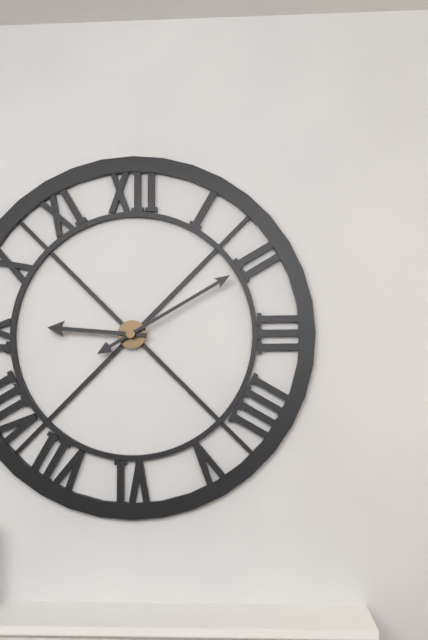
**9:10**
